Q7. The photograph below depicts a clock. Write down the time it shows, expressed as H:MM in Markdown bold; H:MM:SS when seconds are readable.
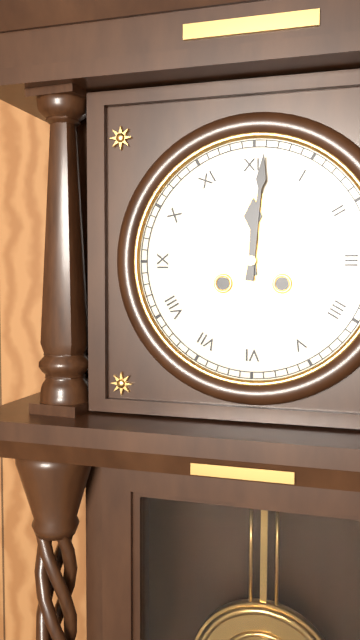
**12:01**
